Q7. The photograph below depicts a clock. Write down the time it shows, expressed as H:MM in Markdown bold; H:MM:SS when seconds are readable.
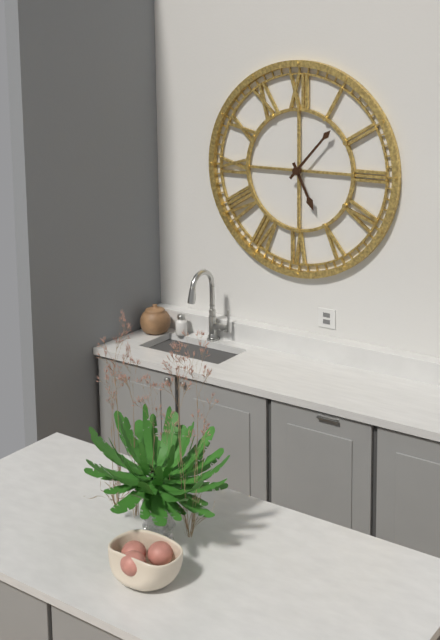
**5:07**
